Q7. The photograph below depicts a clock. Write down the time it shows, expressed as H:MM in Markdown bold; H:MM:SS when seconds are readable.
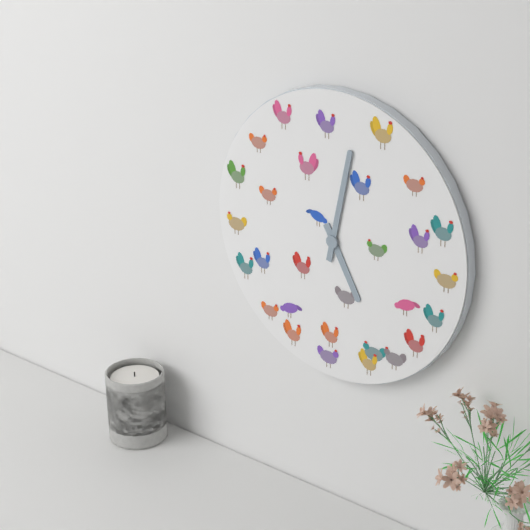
**5:02**
